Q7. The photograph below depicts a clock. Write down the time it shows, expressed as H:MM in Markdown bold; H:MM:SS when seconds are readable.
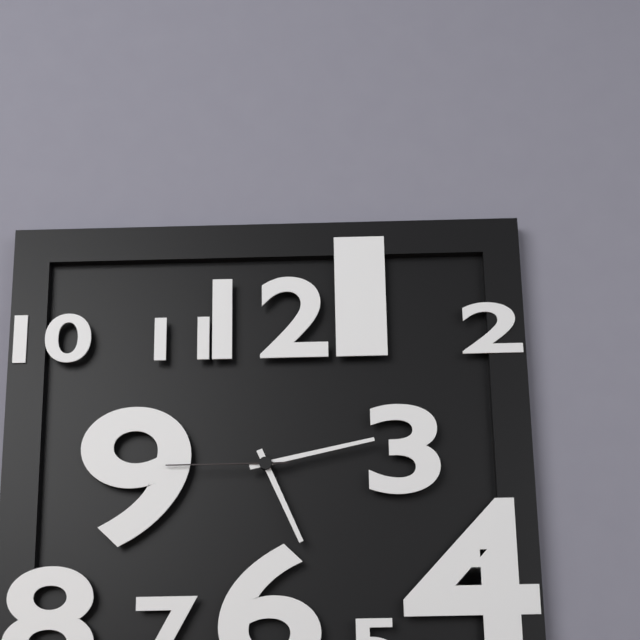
**5:13:45**
